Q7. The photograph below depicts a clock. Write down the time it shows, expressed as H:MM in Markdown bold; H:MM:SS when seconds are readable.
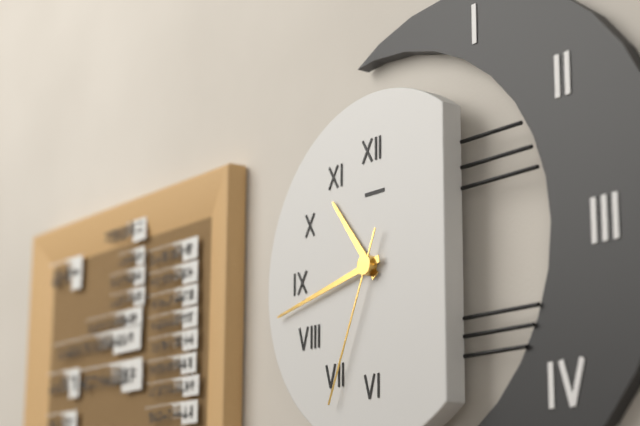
**10:43:34**
